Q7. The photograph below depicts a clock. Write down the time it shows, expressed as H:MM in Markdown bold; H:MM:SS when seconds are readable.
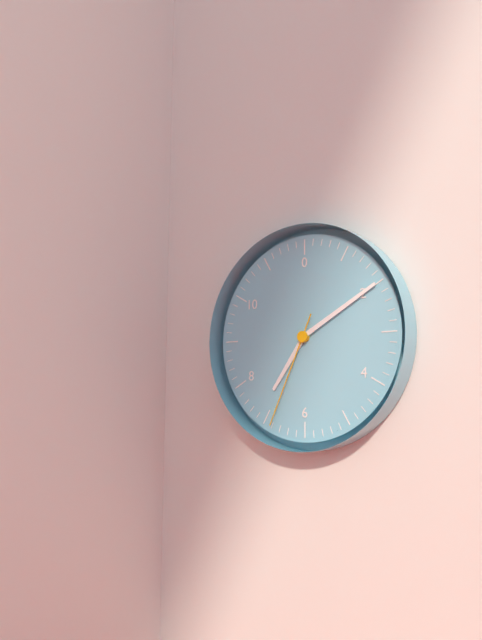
**7:10:34**
